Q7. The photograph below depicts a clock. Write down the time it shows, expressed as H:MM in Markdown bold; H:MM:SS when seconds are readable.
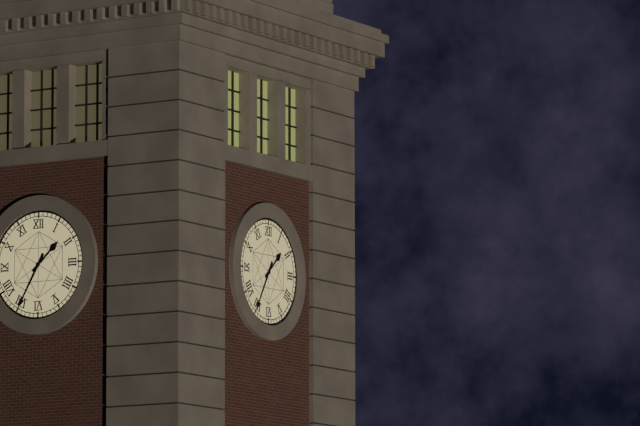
**1:35**
